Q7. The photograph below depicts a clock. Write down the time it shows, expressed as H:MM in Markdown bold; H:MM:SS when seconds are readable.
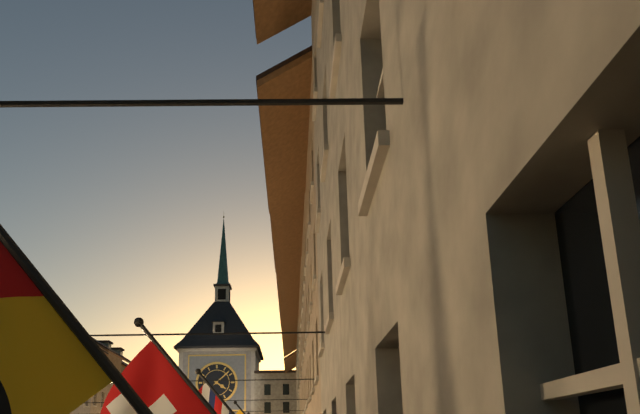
**4:08**
